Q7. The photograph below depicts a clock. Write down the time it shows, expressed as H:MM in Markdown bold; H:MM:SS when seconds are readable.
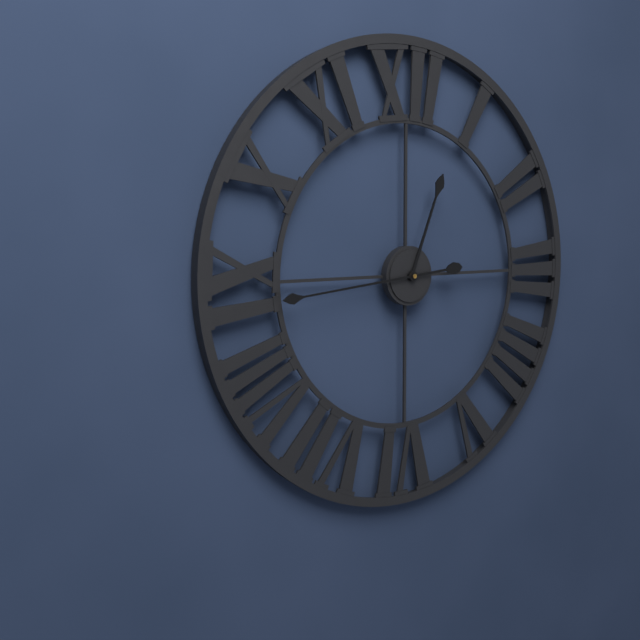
**12:44**
